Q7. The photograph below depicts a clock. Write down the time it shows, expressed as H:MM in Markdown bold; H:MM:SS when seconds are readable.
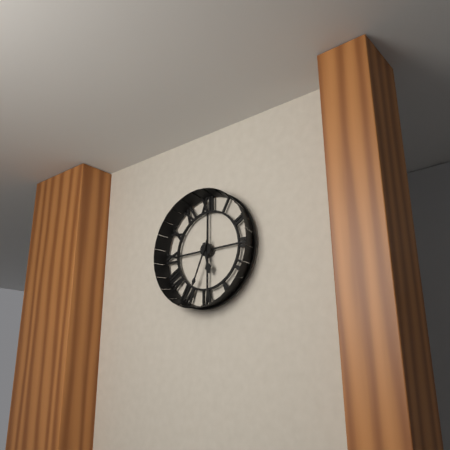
**5:34**
